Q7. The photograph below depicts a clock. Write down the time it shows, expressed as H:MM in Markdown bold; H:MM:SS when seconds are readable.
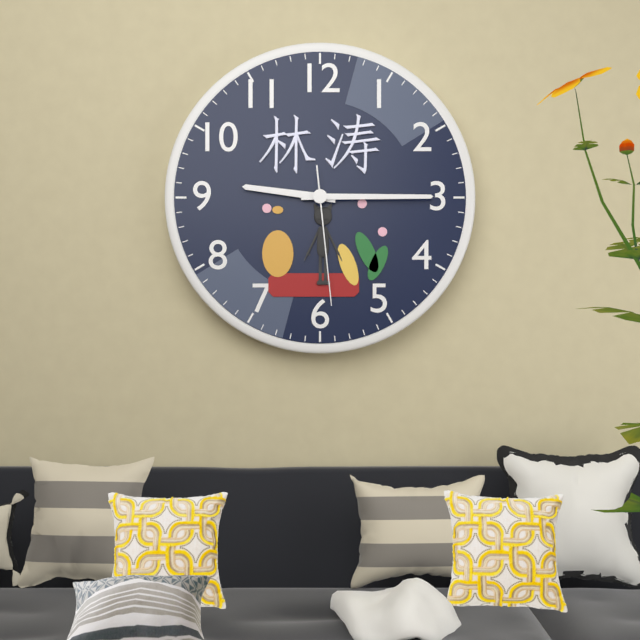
**9:15:29**
